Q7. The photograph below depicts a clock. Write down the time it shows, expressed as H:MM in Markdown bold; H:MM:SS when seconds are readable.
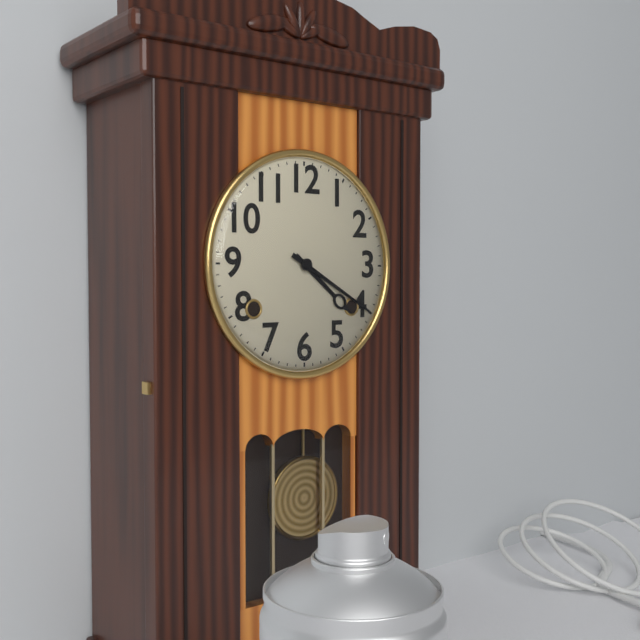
**4:20**
